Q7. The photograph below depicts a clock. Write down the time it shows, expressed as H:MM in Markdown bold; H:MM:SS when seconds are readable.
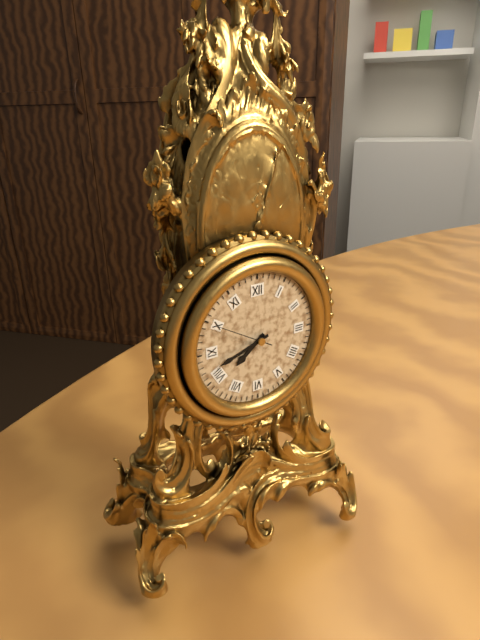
**7:42:50**
